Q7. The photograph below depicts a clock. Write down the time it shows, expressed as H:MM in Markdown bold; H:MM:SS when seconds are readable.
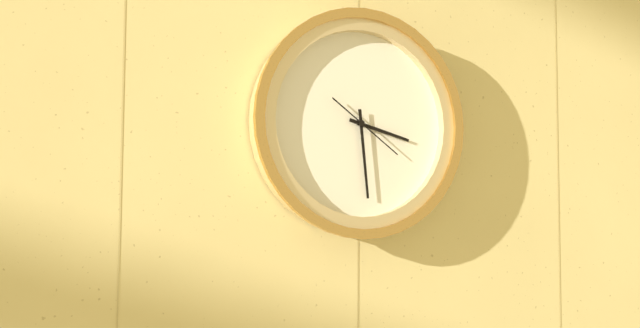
**3:29:21**
